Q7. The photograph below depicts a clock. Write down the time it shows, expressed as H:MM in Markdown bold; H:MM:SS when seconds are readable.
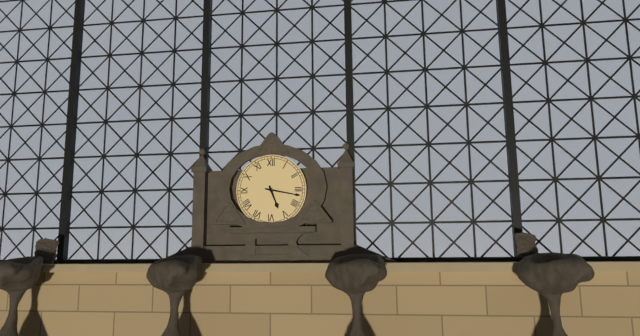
**5:17**
